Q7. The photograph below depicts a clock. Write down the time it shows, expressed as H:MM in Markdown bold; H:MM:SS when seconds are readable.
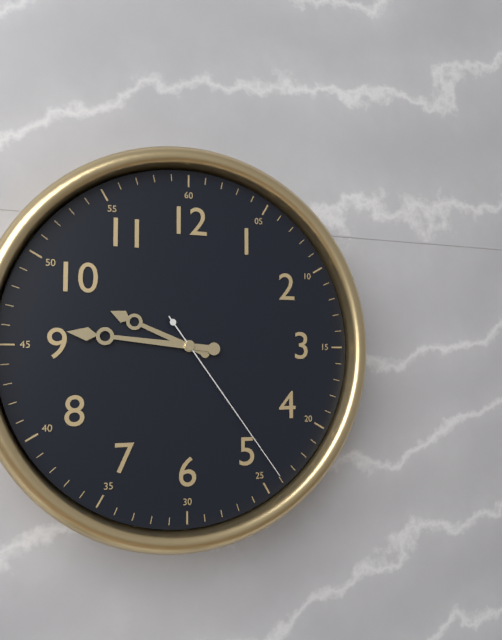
**9:46:24**
